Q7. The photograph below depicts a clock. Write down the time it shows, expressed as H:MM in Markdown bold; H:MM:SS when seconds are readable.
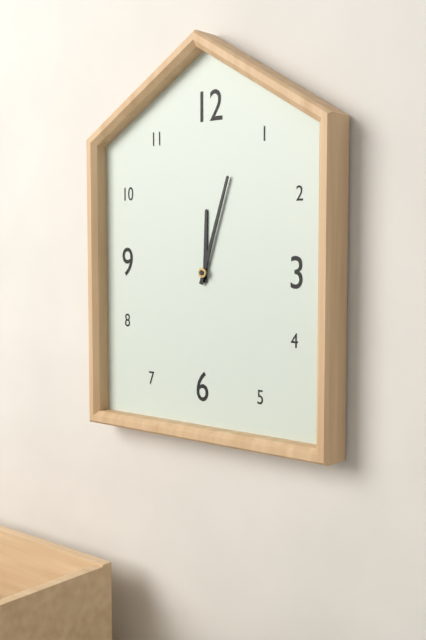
**12:03**
